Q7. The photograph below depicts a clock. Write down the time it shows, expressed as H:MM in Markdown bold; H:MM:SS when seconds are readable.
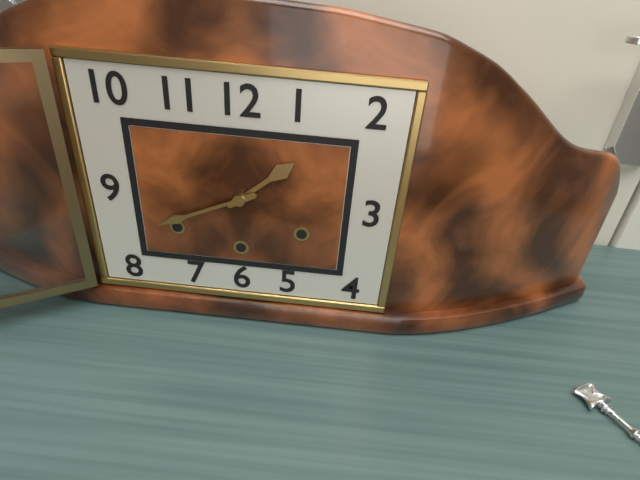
**1:41**
